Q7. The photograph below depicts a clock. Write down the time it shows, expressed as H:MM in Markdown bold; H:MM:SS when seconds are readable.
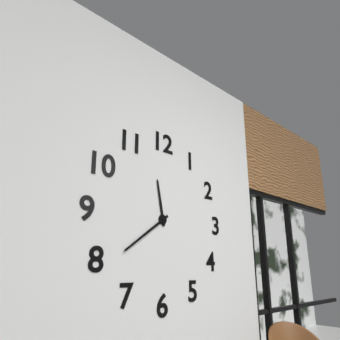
**11:39**
